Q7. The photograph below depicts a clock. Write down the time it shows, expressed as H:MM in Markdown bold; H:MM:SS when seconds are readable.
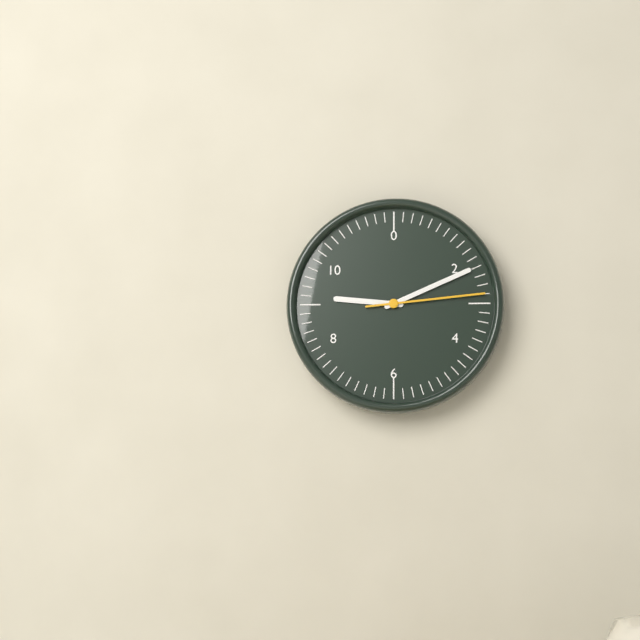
**9:11:14**
